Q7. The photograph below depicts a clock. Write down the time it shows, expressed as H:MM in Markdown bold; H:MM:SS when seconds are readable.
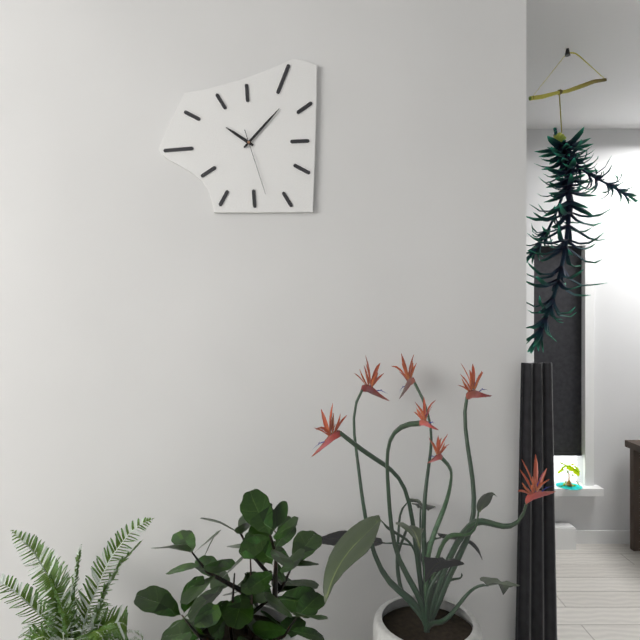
**10:07:27**
